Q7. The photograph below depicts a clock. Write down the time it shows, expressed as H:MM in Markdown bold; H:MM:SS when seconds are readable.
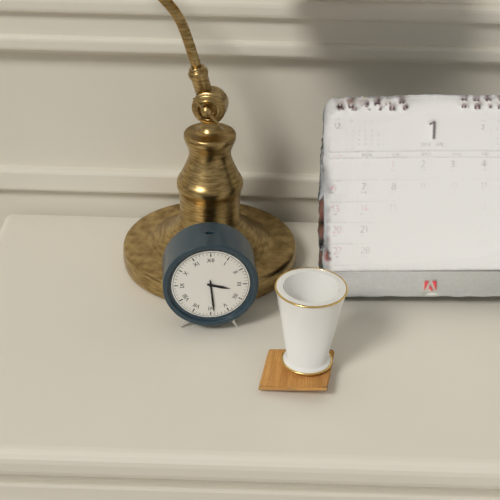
**3:29**
